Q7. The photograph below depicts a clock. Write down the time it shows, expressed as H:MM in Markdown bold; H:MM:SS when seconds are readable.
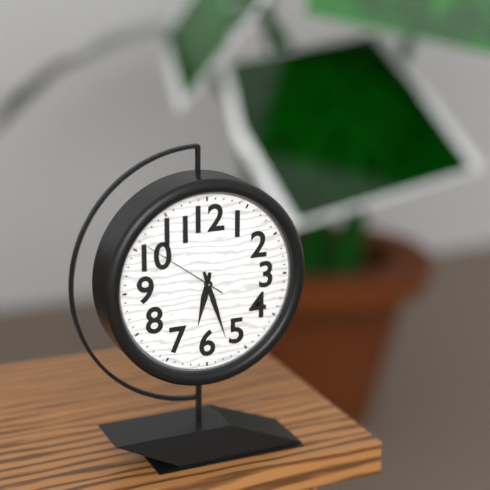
**6:27:51**
